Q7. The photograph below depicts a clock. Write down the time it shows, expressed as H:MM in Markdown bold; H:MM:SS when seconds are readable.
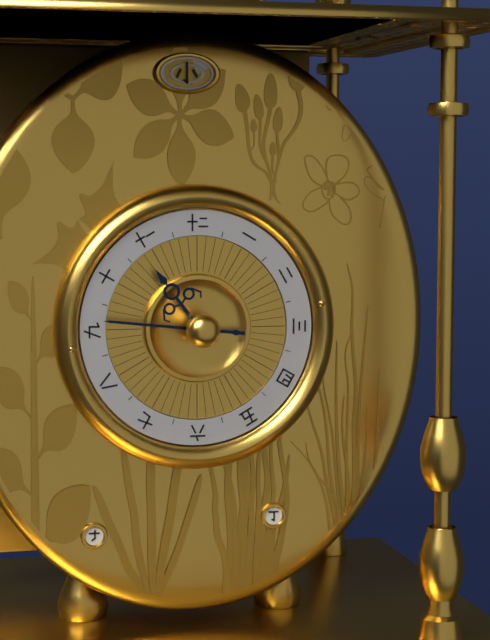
**10:46**
